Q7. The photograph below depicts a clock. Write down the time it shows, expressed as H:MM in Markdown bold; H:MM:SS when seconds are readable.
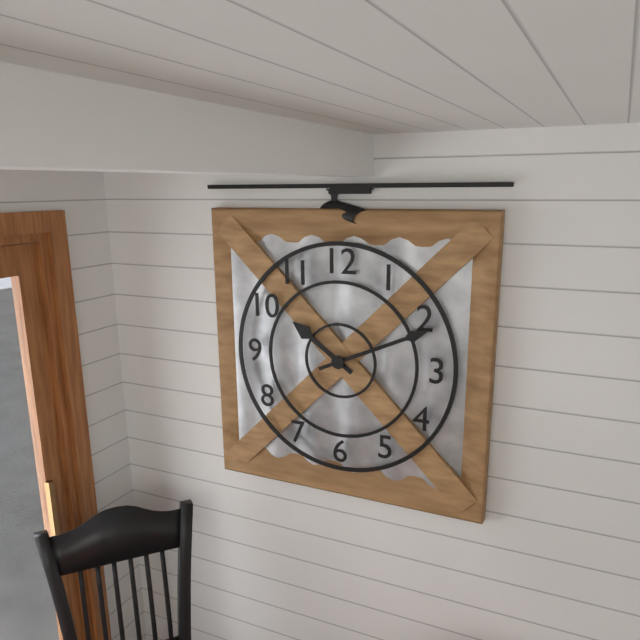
**10:11**
